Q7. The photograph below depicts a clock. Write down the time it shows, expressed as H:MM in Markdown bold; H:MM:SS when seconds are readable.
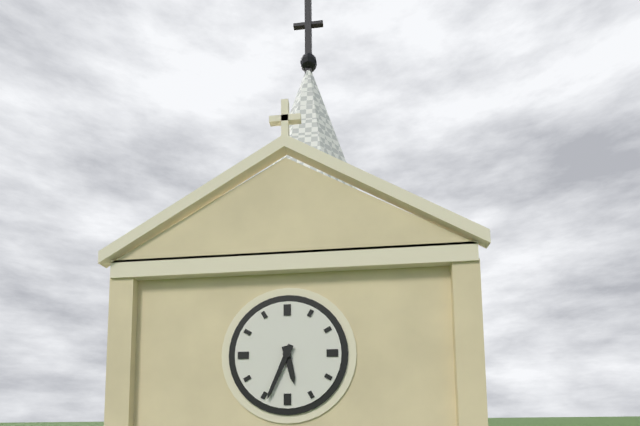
**5:34**
